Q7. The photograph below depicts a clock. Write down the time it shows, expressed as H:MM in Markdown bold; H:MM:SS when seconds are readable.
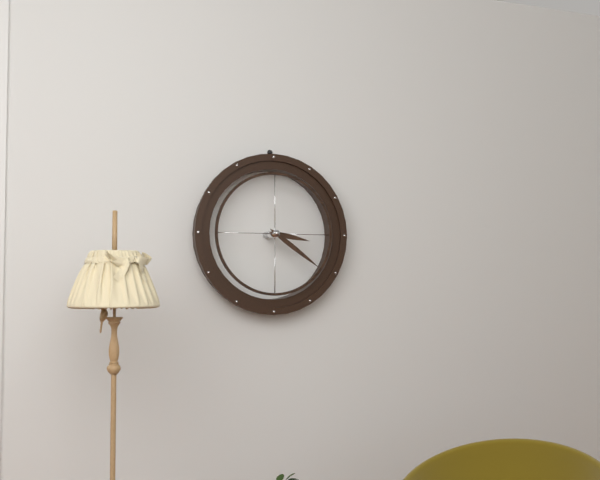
**3:21**
